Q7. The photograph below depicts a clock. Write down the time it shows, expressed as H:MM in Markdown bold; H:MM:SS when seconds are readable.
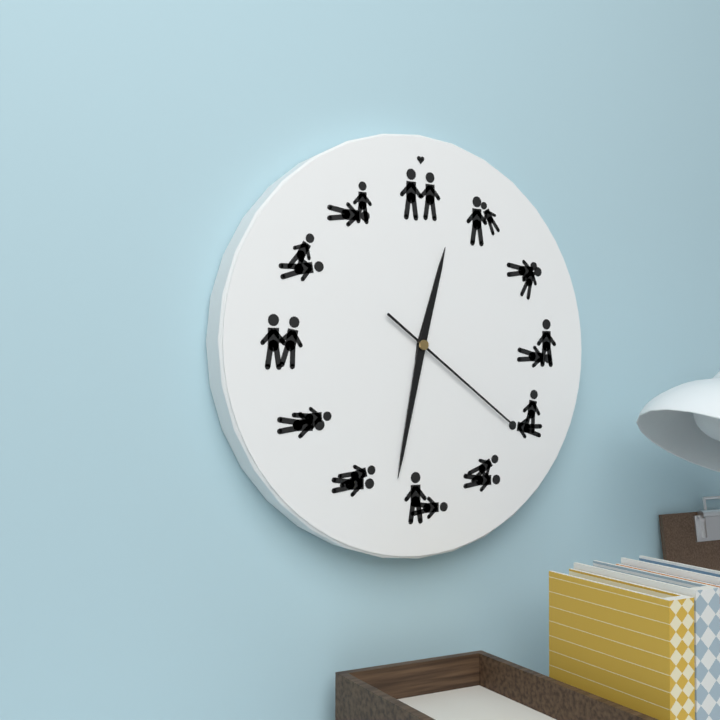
**12:32:21**
